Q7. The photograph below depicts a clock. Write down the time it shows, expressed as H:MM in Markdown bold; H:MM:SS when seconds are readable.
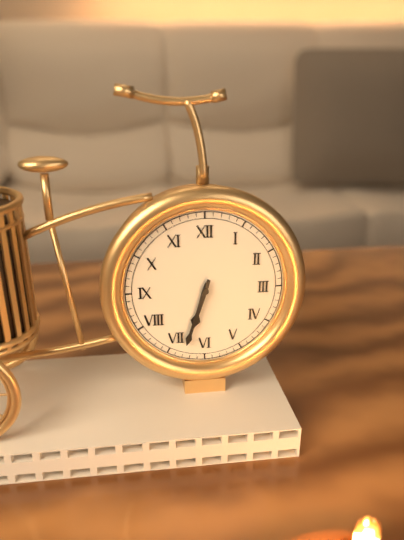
**6:33**
